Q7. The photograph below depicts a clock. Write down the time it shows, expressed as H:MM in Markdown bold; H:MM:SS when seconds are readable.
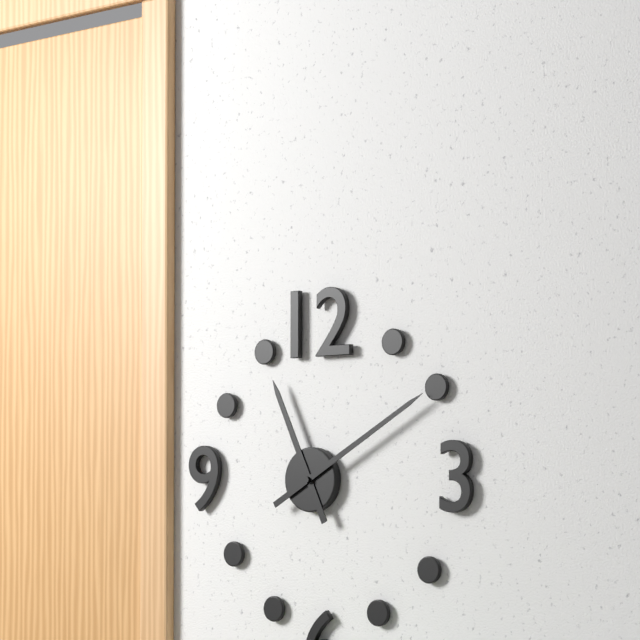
**11:10**
